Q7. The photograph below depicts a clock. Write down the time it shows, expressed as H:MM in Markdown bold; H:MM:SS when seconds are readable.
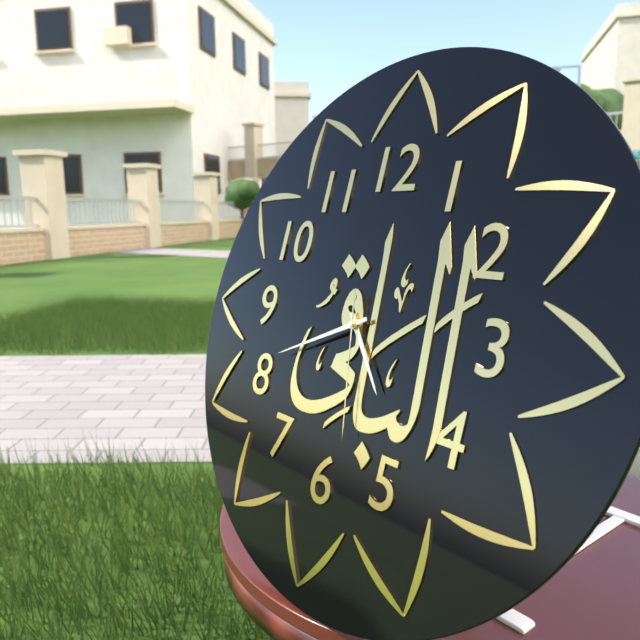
**4:41:28**
